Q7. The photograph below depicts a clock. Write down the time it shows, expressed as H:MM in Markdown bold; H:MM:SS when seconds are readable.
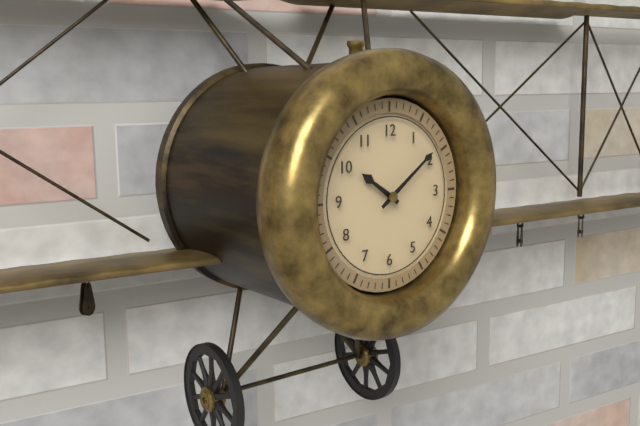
**10:09**
